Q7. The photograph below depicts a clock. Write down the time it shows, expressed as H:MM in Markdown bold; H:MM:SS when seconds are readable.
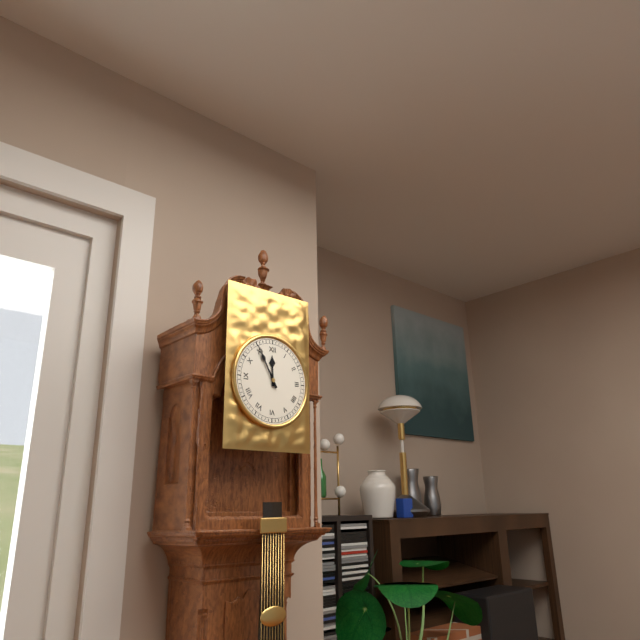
**11:55**
